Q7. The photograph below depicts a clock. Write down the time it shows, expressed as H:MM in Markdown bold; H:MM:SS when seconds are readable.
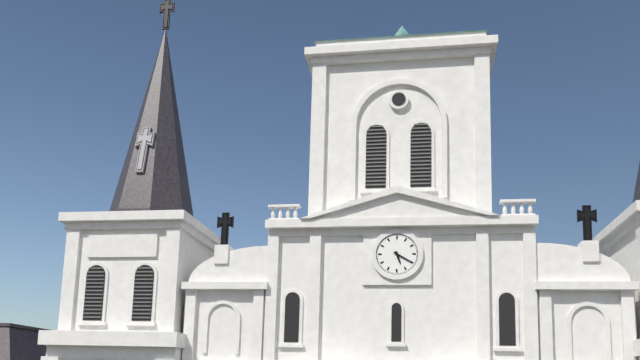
**5:20**
